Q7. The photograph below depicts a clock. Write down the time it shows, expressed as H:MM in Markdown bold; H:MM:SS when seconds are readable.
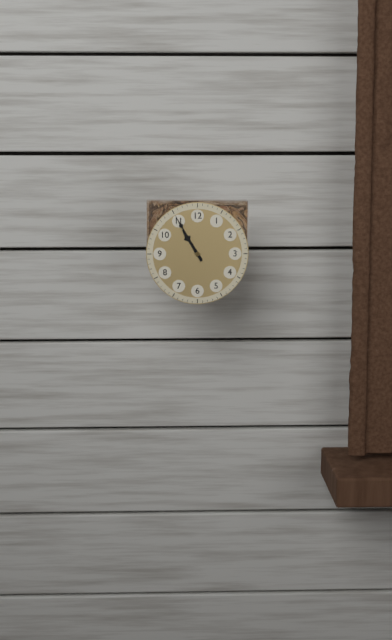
**10:55**
